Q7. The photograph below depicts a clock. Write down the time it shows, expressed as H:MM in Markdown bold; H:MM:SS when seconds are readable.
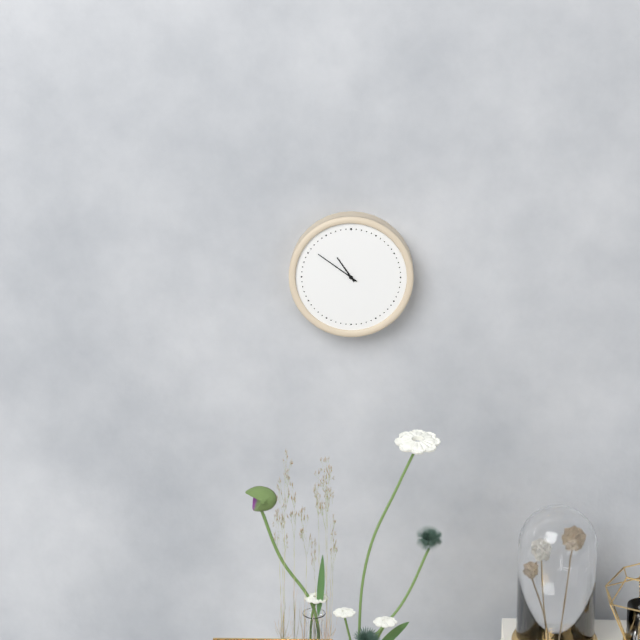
**10:51**
